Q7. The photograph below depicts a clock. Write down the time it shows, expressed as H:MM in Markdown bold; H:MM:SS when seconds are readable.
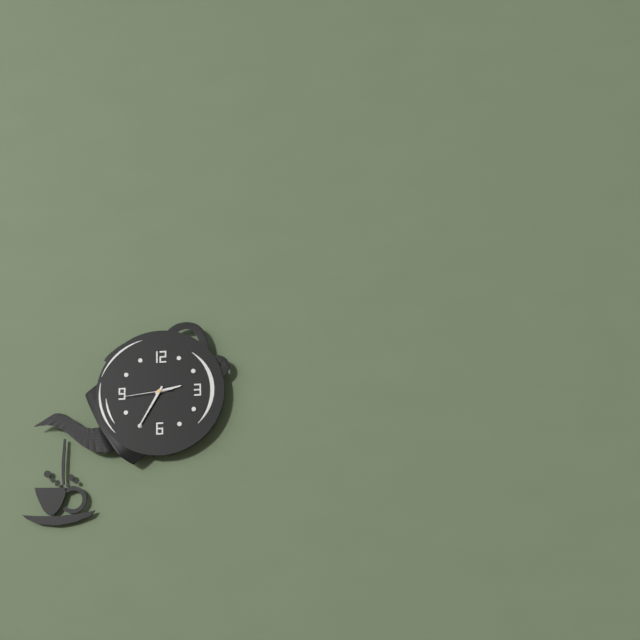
**2:35**
